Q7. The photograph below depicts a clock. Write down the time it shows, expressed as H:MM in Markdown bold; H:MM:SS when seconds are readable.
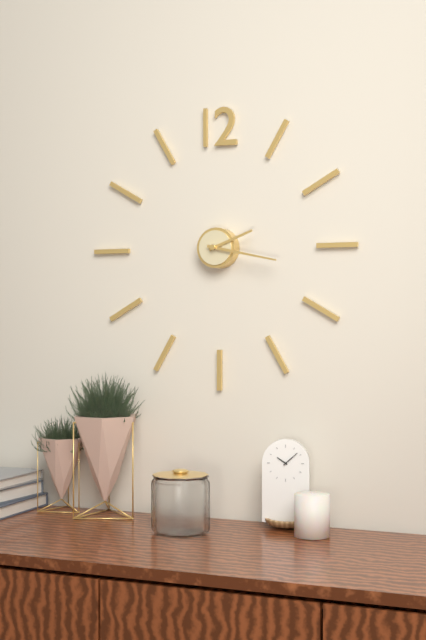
**2:17**
